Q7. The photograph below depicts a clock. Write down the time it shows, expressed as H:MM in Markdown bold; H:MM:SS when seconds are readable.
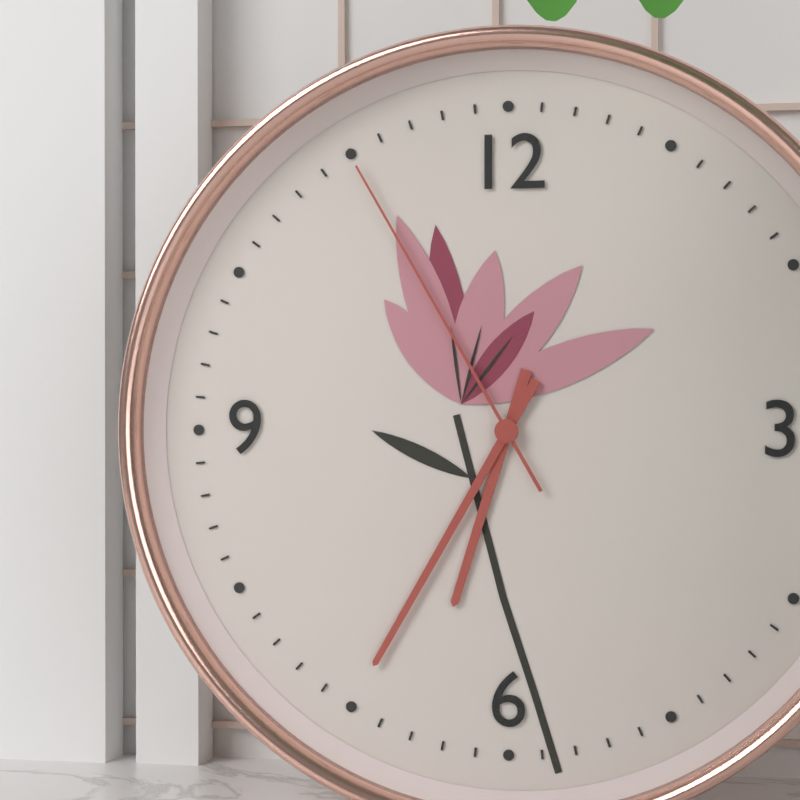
**6:35:55**
